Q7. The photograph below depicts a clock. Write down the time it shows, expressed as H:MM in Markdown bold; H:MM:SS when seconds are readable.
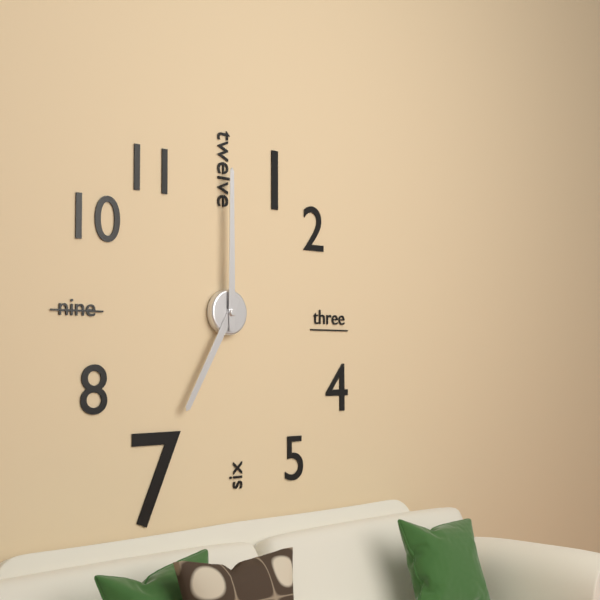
**7:00**
